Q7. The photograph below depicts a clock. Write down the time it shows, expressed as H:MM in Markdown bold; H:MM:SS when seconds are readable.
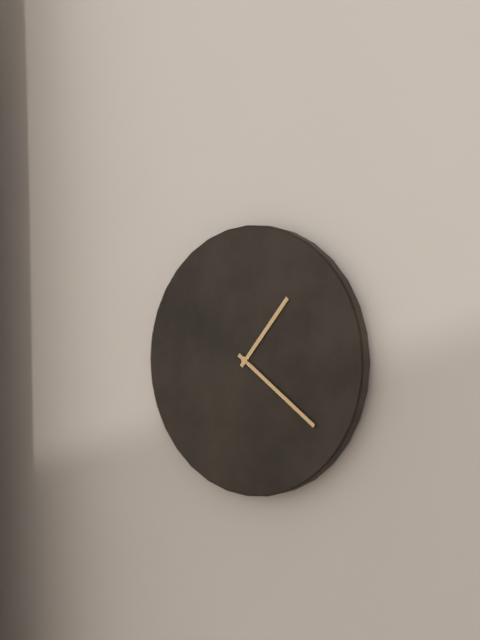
**1:21**
